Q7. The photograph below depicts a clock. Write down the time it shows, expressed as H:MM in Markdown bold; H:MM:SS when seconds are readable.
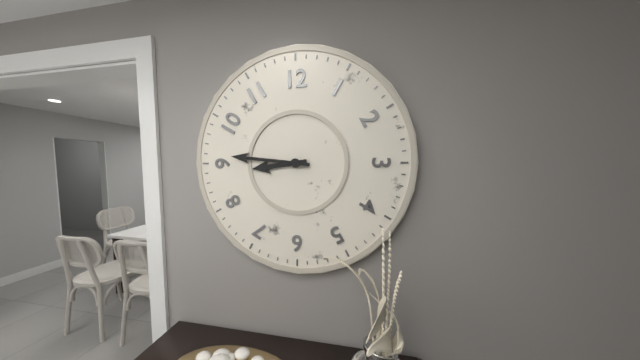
**8:46**
